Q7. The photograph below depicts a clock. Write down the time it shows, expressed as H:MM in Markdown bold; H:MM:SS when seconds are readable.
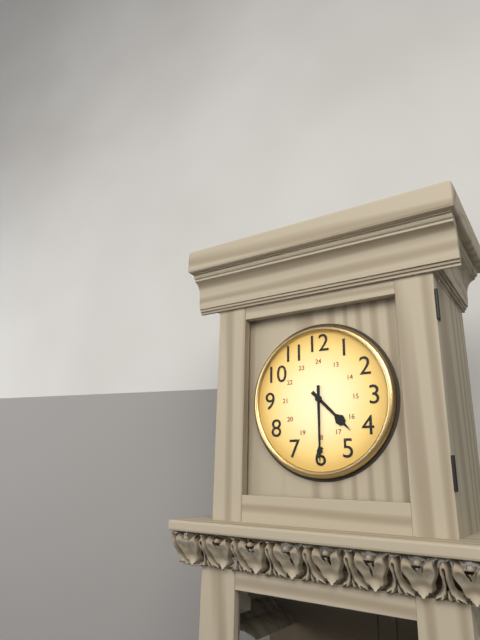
**4:30**
